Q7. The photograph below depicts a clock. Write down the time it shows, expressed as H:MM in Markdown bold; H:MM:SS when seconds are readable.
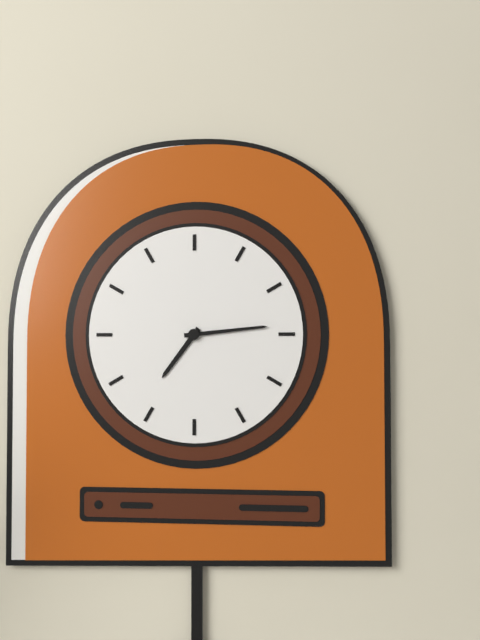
**7:14**
